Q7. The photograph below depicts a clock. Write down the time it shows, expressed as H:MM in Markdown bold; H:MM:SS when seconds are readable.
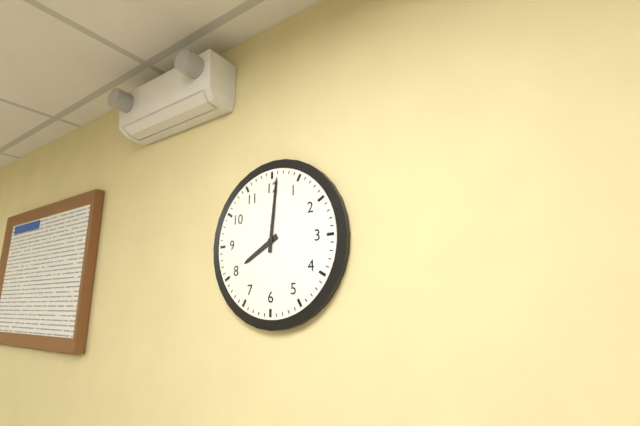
**8:01**
